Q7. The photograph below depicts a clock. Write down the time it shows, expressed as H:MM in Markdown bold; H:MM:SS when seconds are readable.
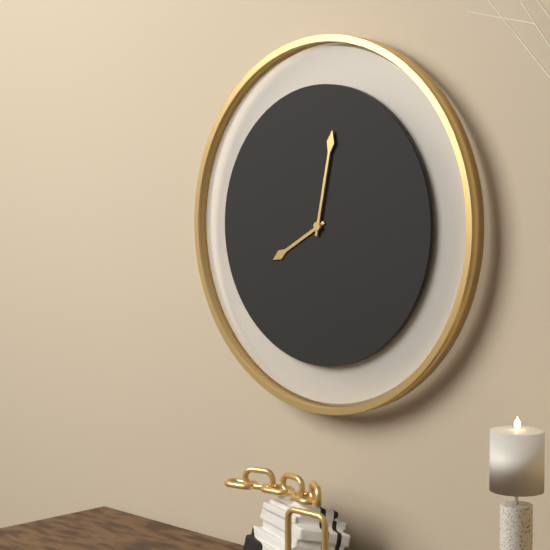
**8:02**
